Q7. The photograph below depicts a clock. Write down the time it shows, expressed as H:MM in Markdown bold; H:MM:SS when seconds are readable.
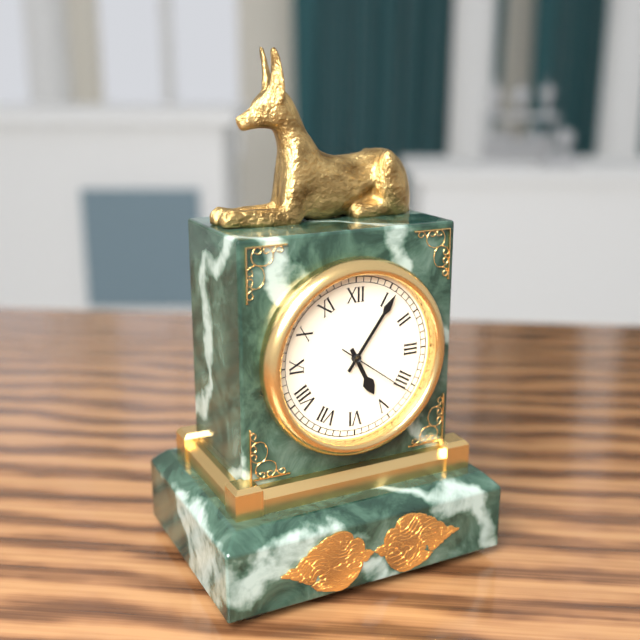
**5:06:21**
